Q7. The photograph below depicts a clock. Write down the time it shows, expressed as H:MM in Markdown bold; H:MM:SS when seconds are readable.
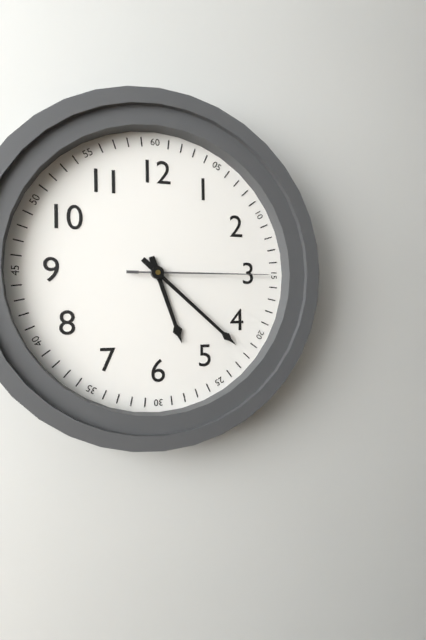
**5:22:15**
